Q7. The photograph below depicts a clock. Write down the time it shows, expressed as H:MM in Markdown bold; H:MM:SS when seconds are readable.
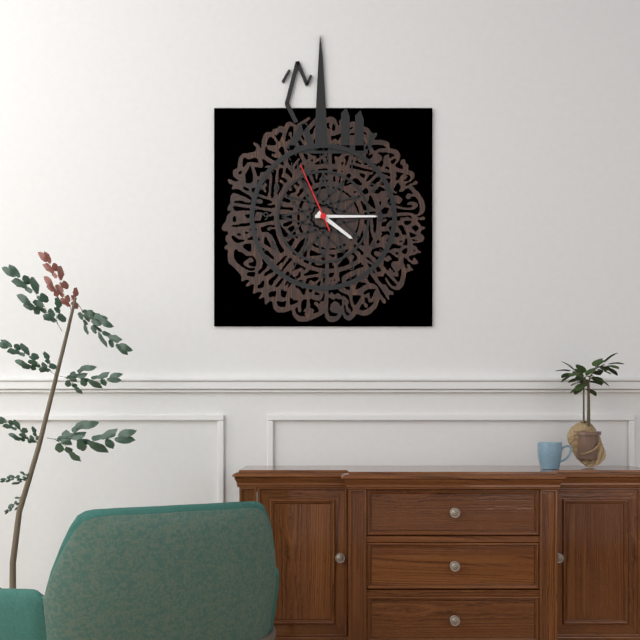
**4:15:56**
